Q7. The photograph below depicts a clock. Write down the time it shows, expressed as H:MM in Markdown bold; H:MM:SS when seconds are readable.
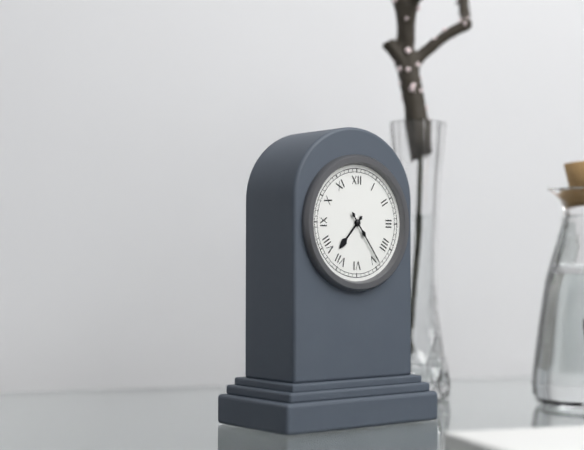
**7:24**
